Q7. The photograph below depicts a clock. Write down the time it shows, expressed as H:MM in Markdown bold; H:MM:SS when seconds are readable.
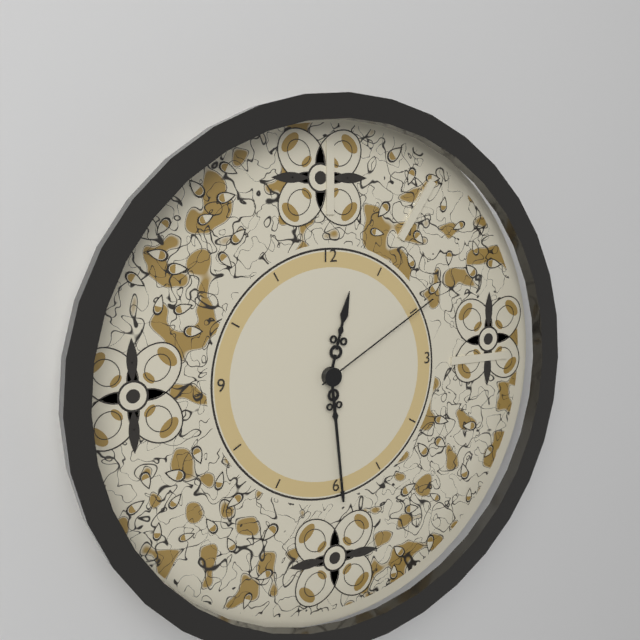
**12:29:10**
